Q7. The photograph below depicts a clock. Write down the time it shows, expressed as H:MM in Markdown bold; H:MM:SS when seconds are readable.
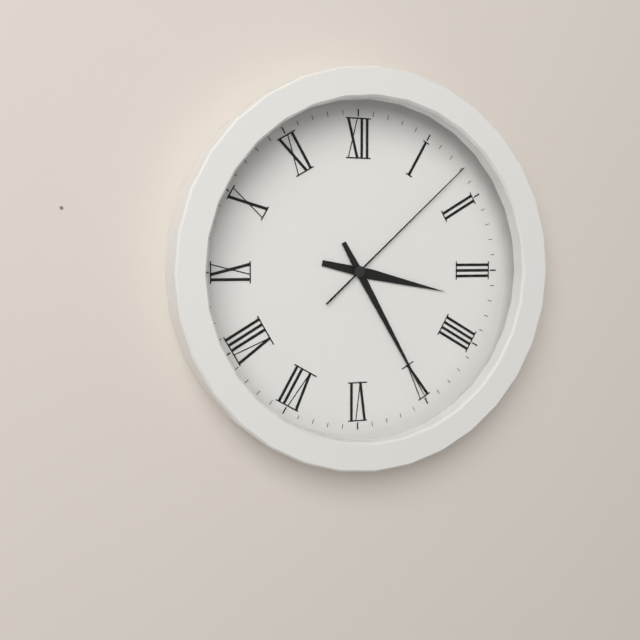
**3:25:08**
